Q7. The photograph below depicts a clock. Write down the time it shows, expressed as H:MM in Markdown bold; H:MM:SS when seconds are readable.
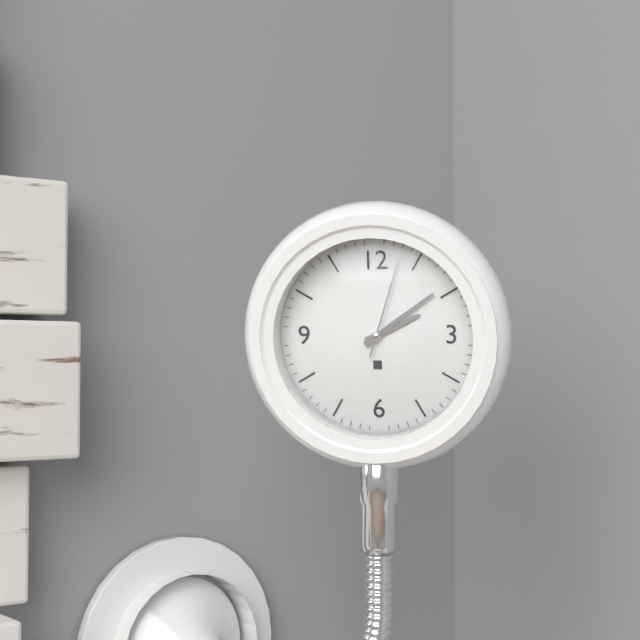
**2:09:03**
